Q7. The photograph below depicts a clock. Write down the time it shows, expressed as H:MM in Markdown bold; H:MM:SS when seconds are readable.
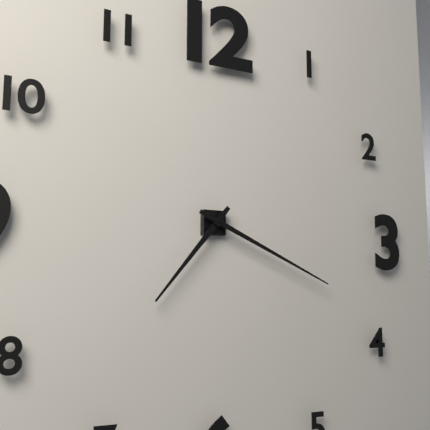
**7:19**
